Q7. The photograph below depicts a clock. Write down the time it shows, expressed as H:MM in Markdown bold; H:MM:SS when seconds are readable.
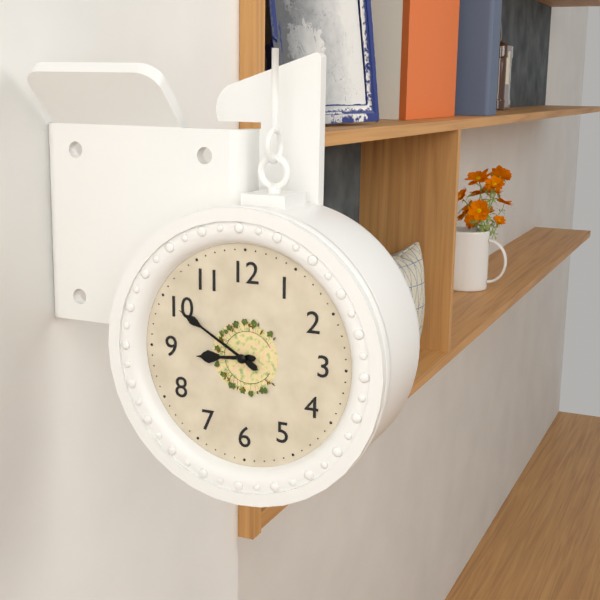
**8:50**
